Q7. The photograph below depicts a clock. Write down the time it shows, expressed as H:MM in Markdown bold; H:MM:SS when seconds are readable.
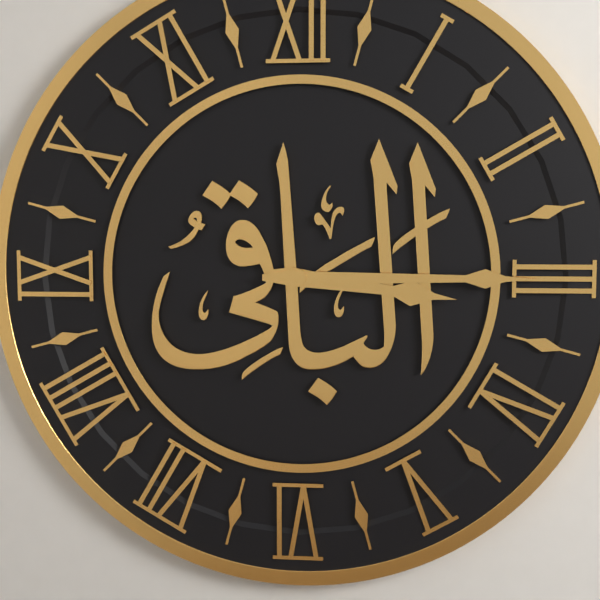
**3:15**
